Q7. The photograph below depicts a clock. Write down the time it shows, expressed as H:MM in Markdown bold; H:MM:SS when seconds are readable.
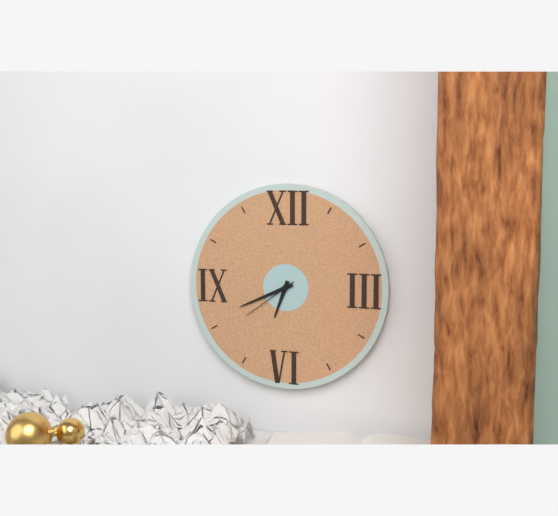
**6:41:39**
